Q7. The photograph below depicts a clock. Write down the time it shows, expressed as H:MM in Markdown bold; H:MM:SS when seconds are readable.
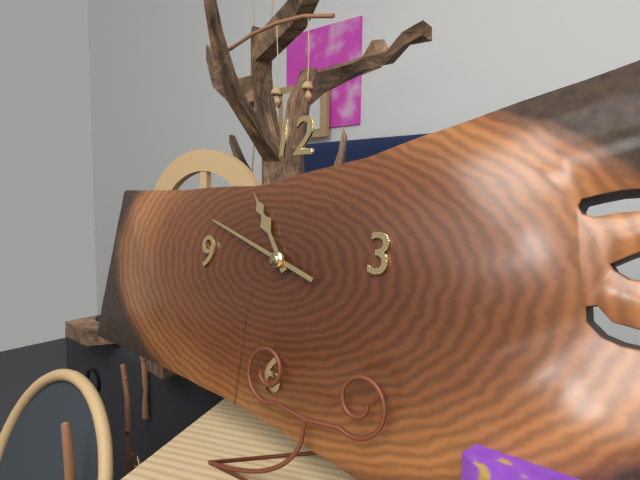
**10:48**
